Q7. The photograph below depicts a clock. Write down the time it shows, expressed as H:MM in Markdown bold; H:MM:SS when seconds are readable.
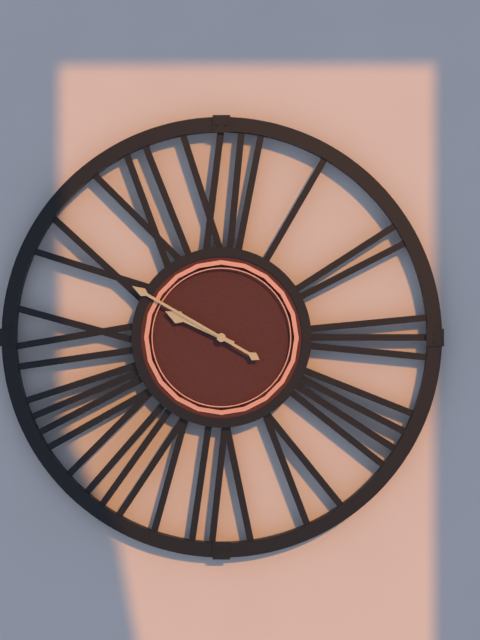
**9:50**
